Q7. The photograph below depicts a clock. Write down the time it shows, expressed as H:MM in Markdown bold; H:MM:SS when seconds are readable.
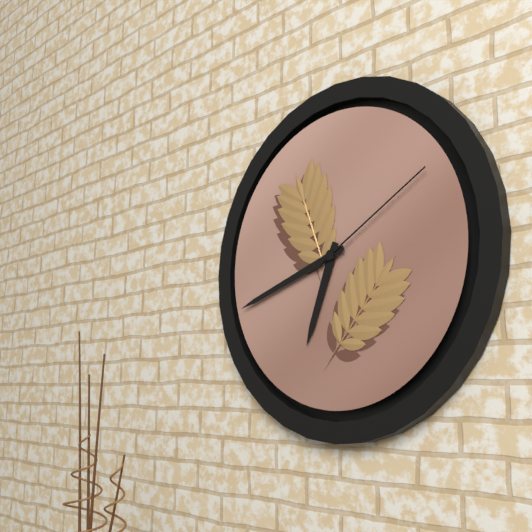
**6:42:10**
